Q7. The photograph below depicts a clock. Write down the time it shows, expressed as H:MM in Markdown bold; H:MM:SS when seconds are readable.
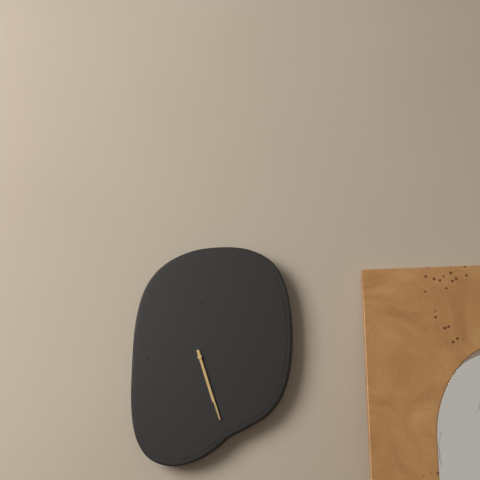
**5:27**
